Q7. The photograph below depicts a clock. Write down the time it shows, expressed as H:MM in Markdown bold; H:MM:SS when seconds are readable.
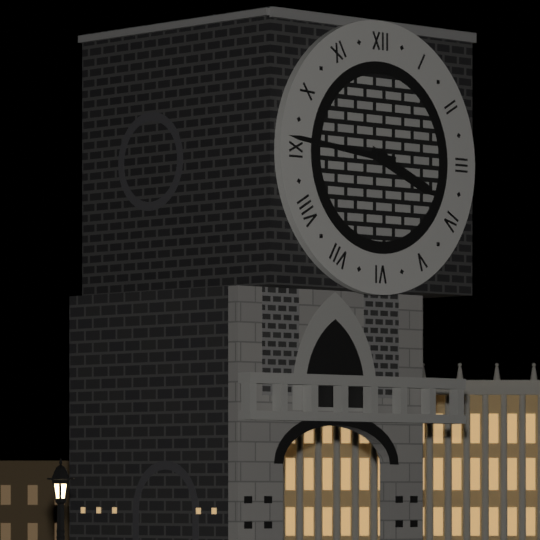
**3:46**
